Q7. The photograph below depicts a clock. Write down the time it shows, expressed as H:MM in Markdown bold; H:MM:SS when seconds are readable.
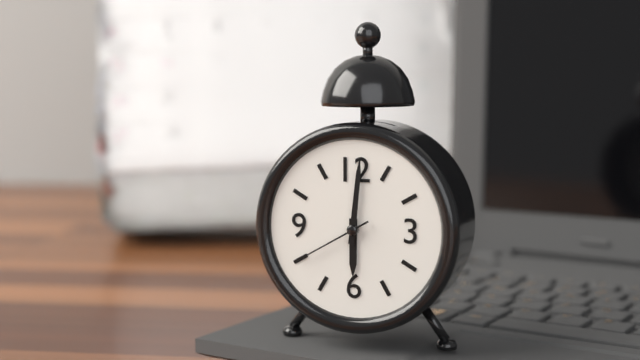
**6:01:40**
